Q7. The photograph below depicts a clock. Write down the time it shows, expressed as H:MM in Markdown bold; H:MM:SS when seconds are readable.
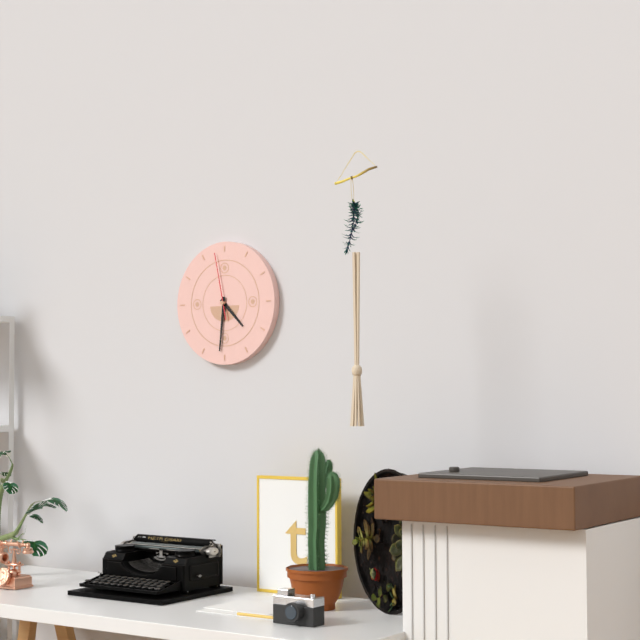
**4:31:58**
